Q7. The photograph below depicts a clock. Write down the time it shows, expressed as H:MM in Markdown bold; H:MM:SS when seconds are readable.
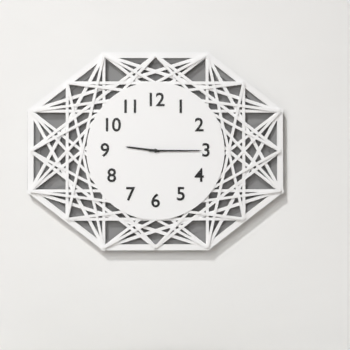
**9:15**
